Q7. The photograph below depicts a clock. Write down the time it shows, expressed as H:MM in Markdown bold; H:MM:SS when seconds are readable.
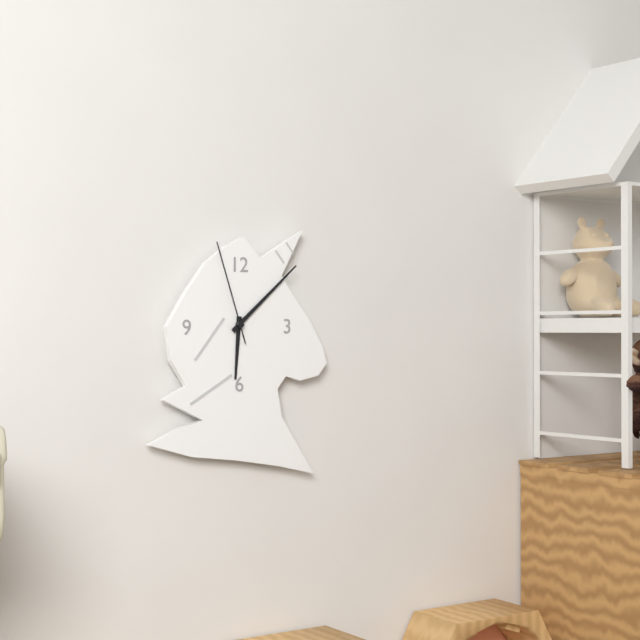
**6:08:57**
